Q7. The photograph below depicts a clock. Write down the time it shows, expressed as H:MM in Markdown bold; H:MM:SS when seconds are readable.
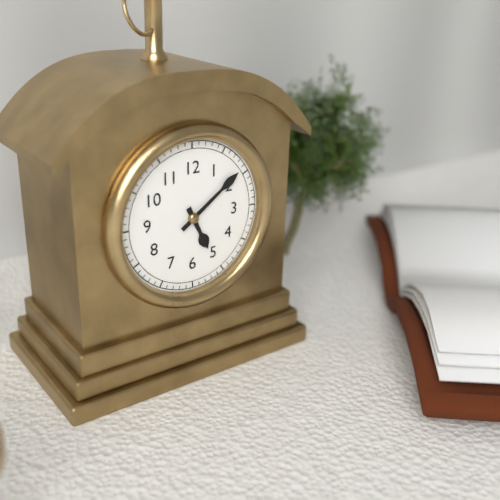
**5:09**
